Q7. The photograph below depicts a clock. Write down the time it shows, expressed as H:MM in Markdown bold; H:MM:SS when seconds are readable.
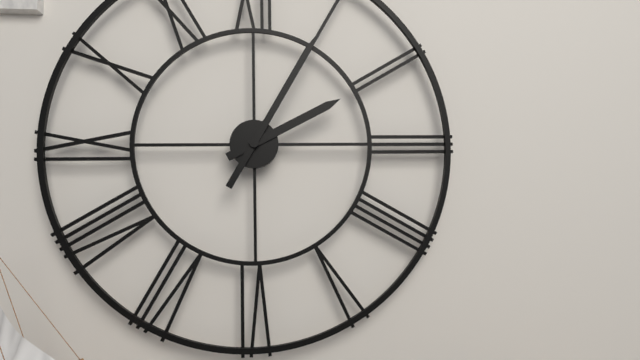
**2:05**
